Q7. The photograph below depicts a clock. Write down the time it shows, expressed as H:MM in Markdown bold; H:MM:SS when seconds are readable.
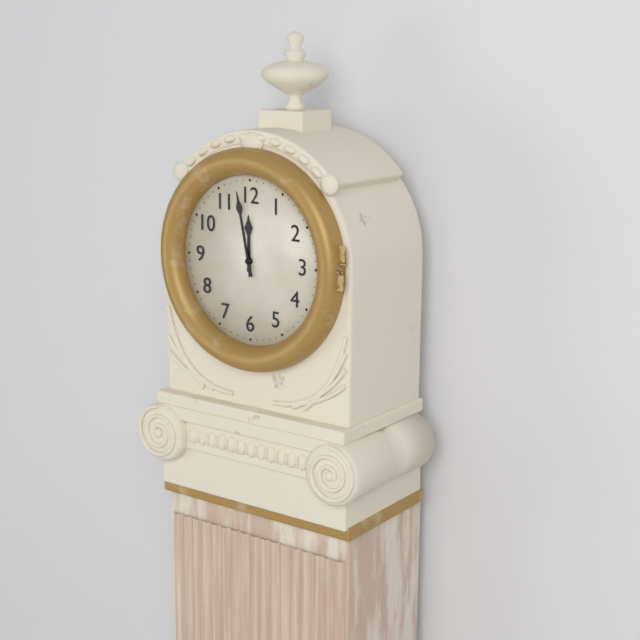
**11:58**
